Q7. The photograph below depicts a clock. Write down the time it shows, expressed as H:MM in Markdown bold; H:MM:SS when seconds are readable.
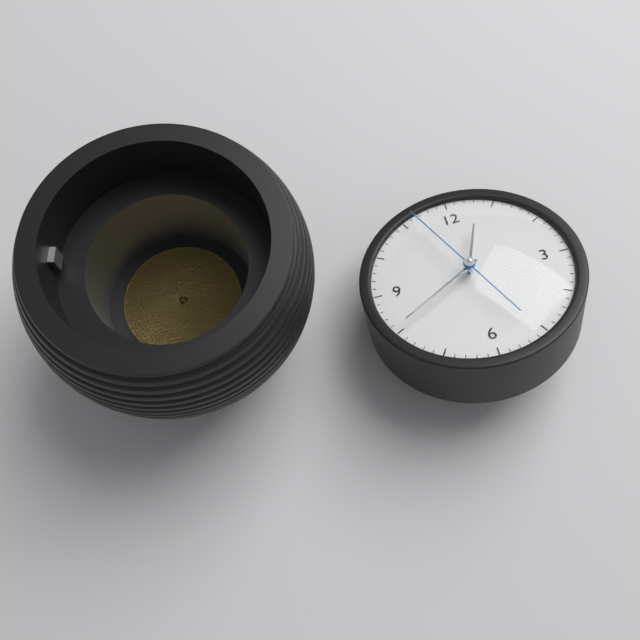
**12:40:56**
